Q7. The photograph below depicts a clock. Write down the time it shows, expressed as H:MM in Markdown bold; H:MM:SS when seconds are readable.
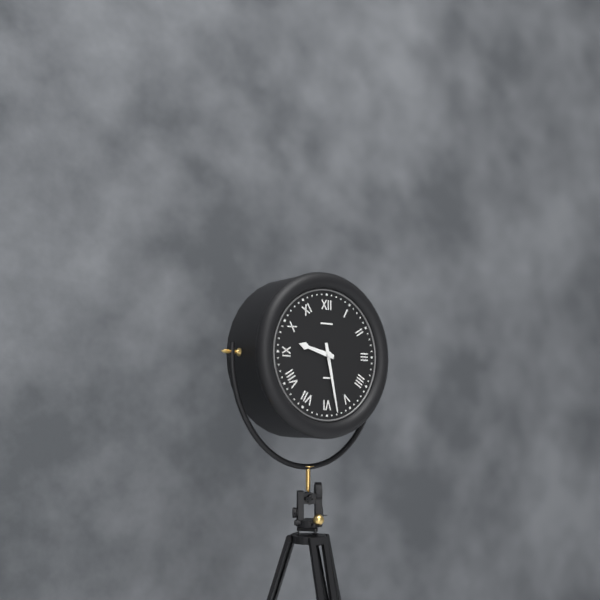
**9:28**
